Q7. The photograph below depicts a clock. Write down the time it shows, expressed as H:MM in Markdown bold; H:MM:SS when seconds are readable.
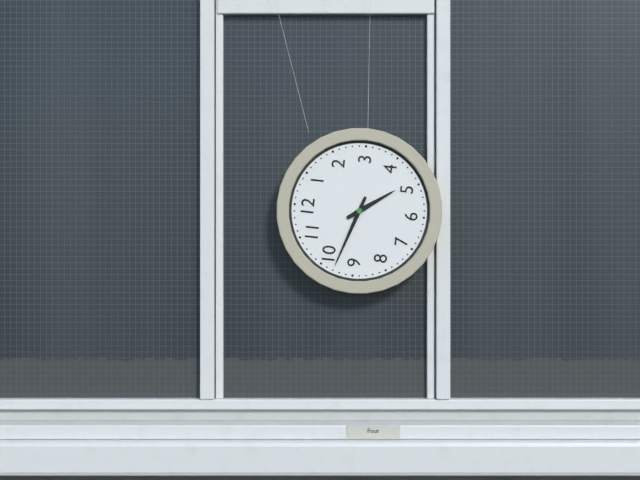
**4:48**
